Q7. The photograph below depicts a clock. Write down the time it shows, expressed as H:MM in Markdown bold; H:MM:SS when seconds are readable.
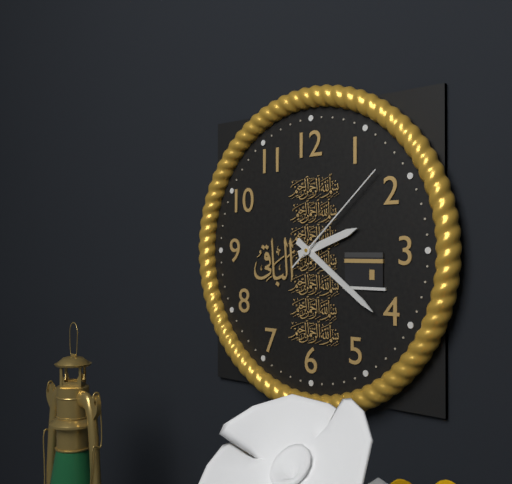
**2:21:08**
